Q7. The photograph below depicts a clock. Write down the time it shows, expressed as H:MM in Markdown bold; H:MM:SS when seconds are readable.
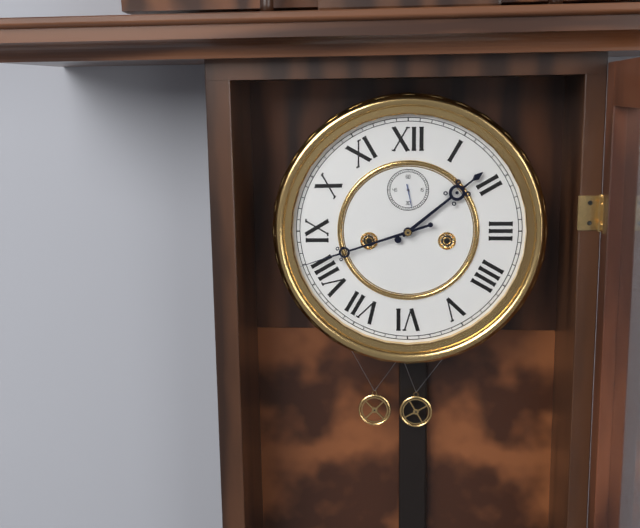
**1:42**
